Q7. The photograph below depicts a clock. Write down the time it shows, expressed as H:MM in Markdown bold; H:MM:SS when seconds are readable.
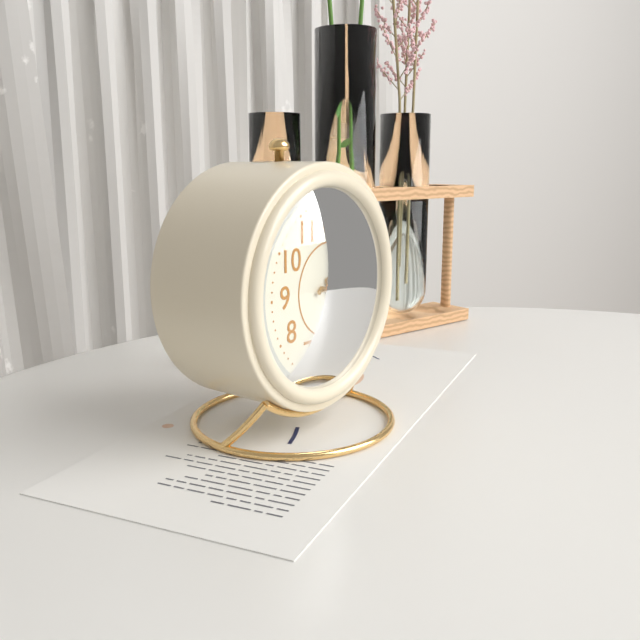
**5:17:15**
